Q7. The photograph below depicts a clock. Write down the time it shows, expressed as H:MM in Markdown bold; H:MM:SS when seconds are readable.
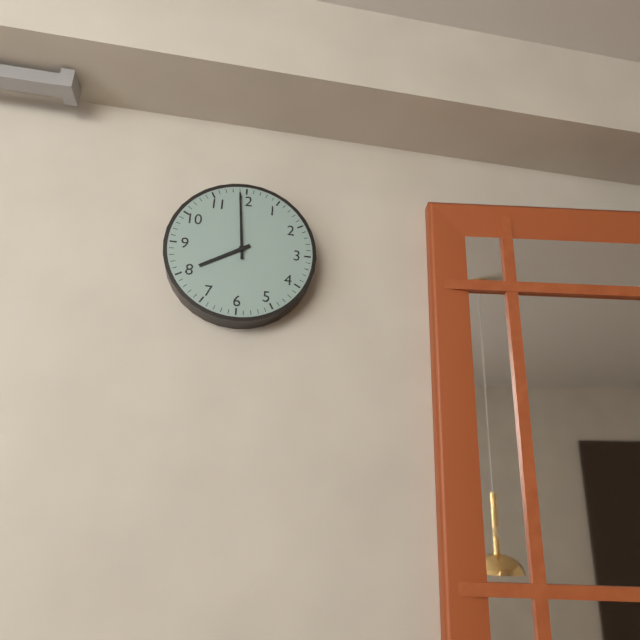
**7:59**
